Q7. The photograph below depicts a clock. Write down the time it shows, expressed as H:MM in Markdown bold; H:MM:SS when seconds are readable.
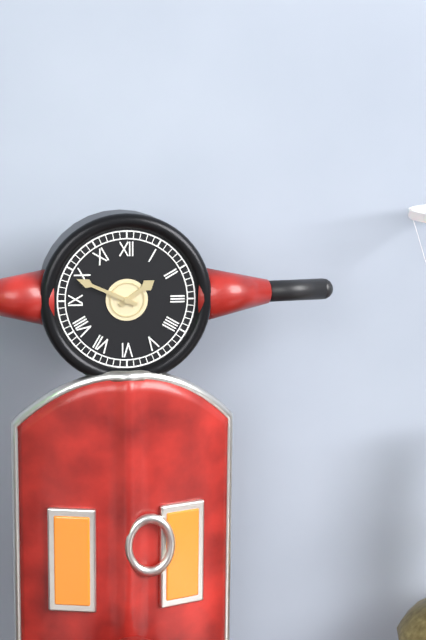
**1:49**
